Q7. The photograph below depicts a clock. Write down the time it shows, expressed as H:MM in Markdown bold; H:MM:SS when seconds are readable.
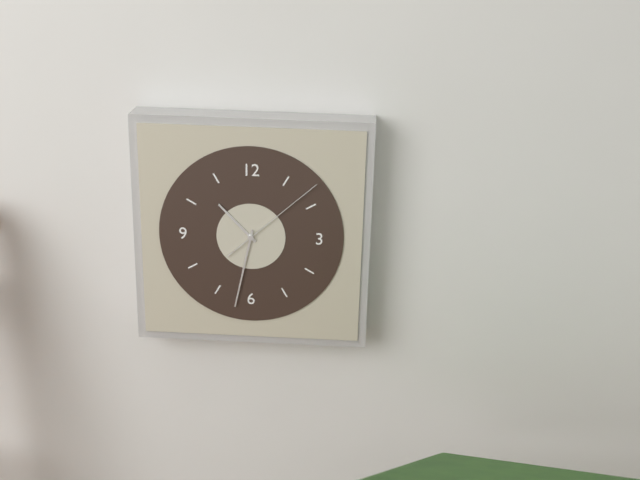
**10:32:08**
